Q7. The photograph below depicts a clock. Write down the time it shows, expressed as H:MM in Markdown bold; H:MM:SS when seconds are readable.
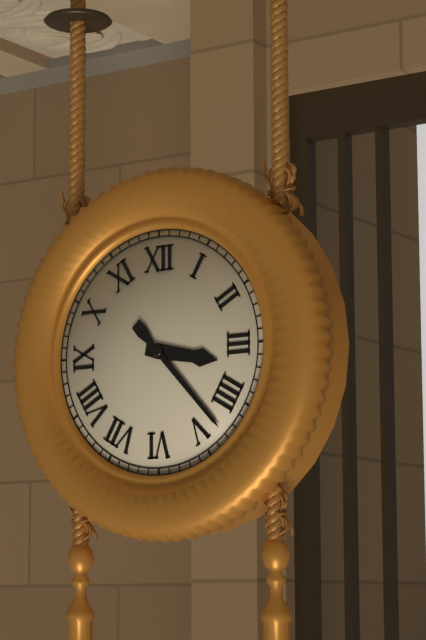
**3:23**
